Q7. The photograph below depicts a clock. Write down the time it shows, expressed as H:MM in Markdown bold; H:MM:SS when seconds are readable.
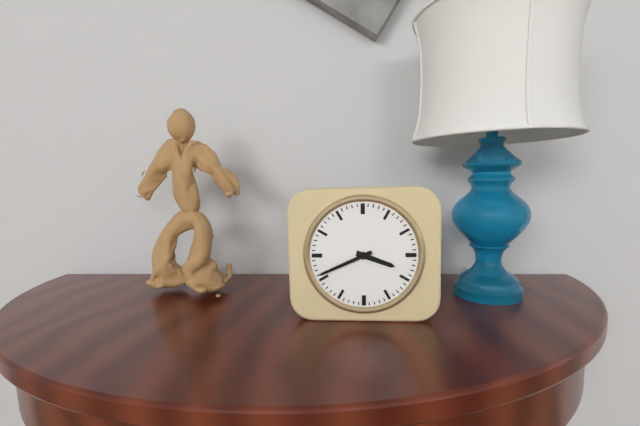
**3:41**
